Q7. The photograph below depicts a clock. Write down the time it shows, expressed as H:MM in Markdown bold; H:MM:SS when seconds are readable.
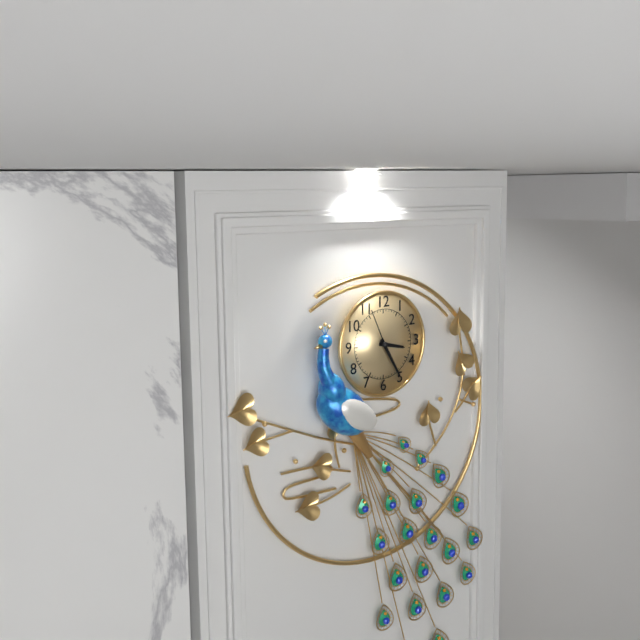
**3:25**
